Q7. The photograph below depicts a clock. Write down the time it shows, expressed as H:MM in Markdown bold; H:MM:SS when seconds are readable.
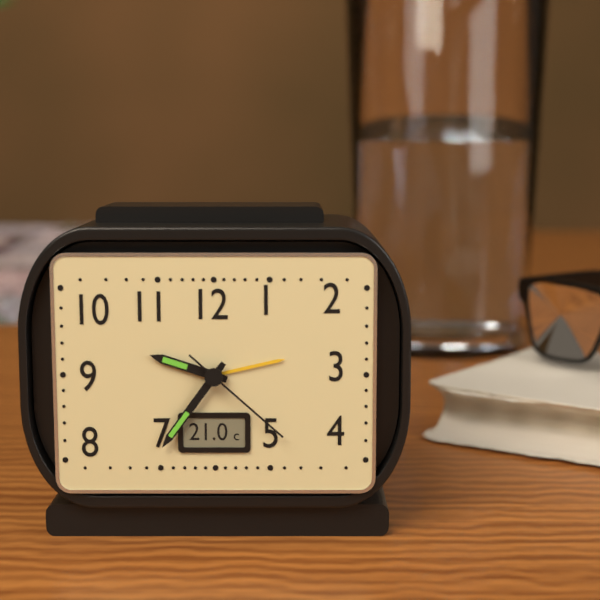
**9:36:22**
